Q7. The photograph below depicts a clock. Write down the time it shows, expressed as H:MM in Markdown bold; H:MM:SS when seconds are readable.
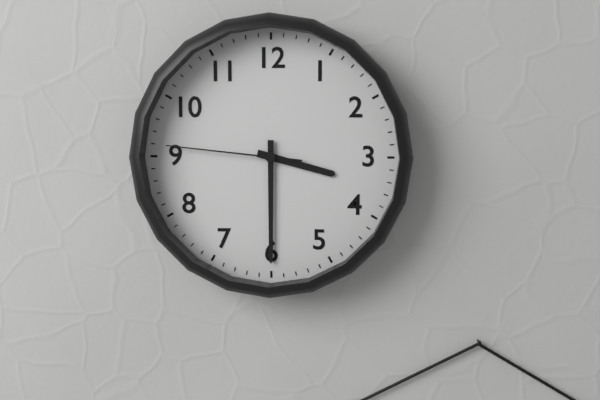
**3:30:46**
